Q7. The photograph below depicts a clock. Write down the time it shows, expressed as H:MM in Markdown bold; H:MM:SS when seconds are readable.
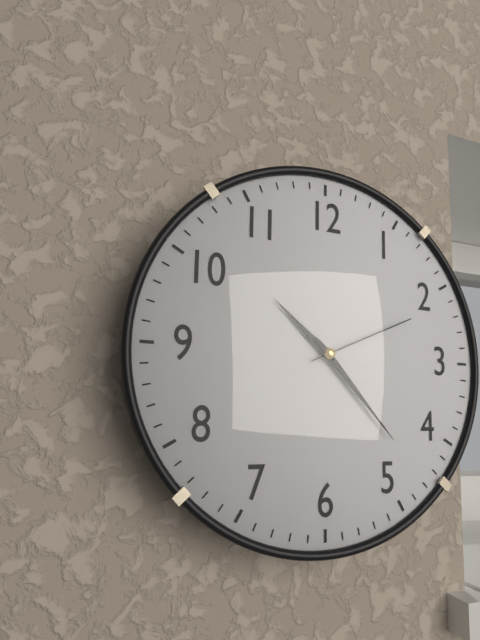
**10:23:11**
